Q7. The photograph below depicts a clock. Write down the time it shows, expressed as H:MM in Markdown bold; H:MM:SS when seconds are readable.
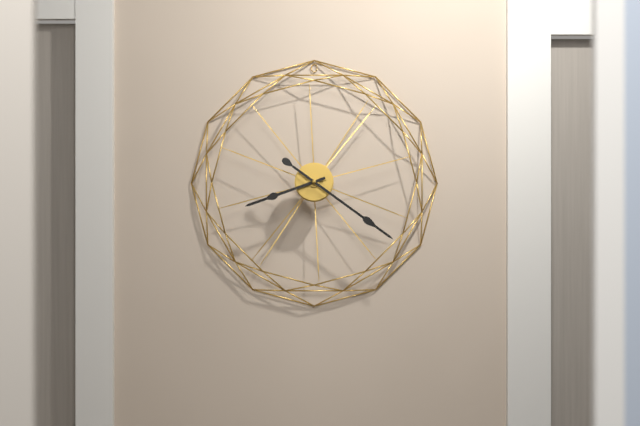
**8:21**
